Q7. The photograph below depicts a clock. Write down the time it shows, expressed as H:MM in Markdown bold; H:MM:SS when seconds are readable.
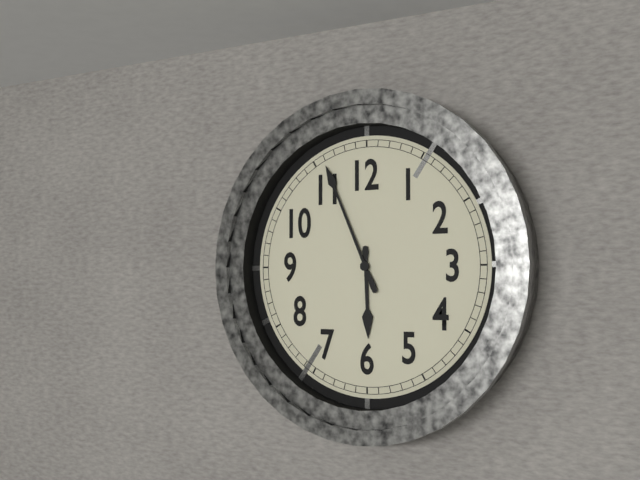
**5:56**
